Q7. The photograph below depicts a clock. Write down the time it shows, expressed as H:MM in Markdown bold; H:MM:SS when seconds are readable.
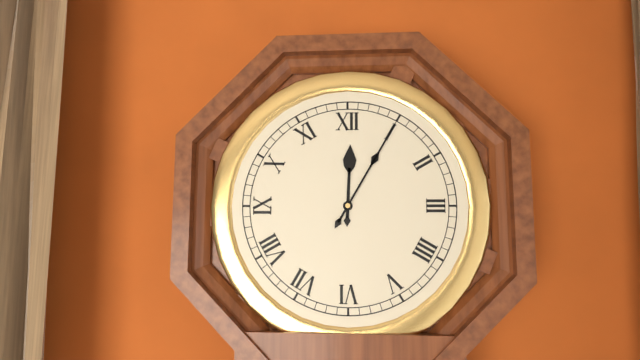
**12:05**
